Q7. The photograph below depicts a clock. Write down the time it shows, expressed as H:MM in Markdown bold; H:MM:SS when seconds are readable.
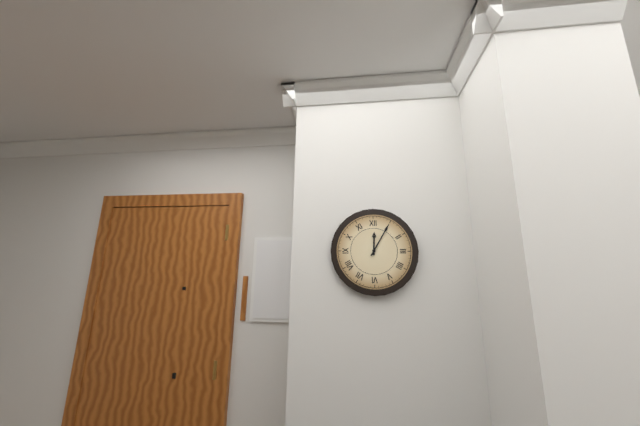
**12:05**
